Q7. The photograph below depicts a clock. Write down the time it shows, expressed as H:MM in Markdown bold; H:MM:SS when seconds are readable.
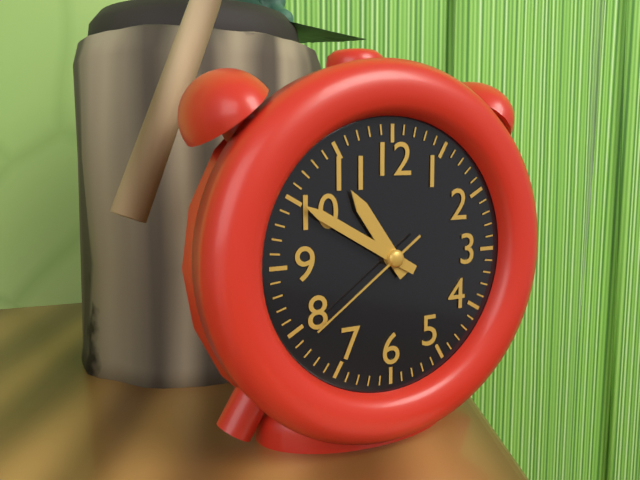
**10:50:39**
